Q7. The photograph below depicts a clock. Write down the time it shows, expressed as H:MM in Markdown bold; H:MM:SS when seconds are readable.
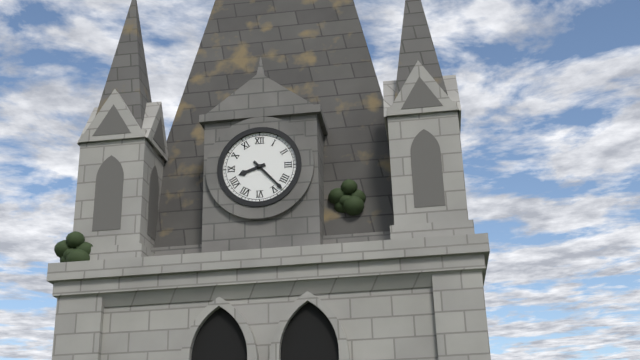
**8:23**
